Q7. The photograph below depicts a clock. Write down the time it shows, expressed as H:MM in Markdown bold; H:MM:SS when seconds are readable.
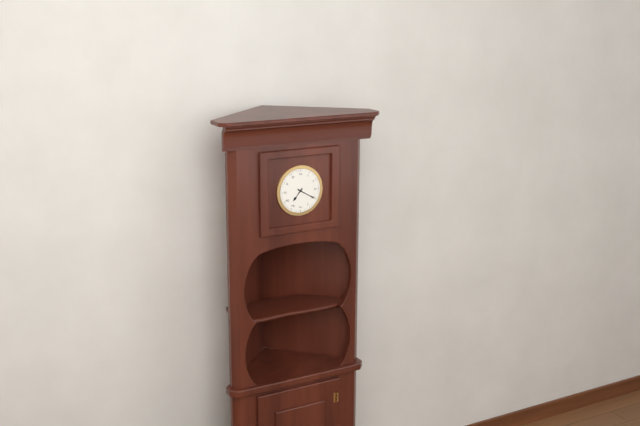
**7:20**
